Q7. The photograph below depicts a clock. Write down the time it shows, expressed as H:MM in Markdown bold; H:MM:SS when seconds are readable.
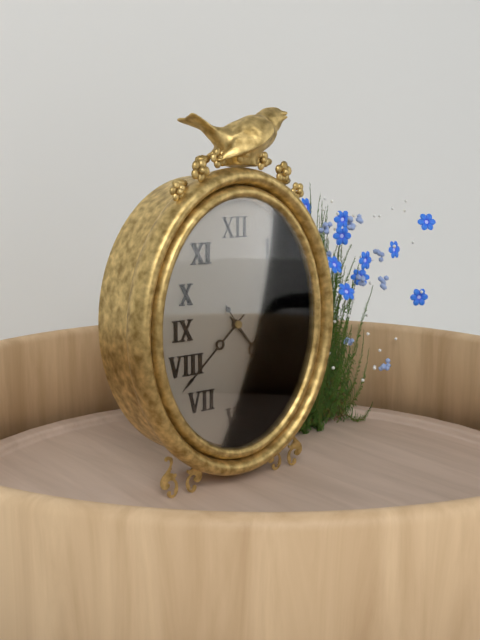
**4:38:24**
